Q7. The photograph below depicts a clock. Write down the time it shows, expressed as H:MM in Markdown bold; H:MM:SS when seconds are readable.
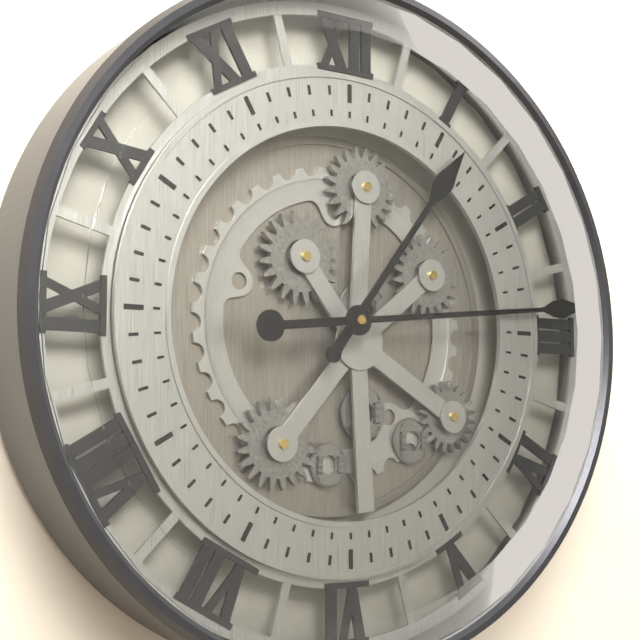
**1:14**
